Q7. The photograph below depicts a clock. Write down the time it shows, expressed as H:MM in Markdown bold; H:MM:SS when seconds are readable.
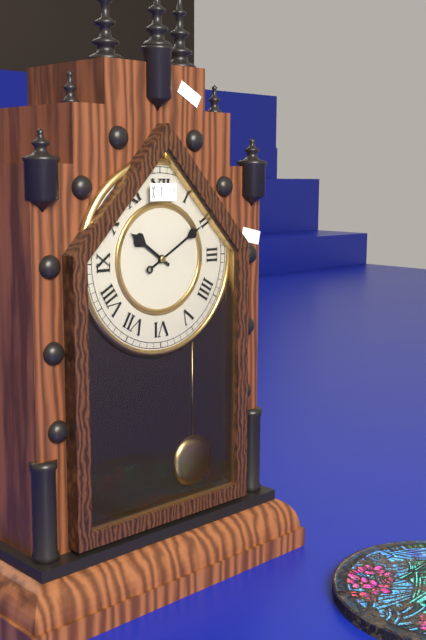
**10:10**
